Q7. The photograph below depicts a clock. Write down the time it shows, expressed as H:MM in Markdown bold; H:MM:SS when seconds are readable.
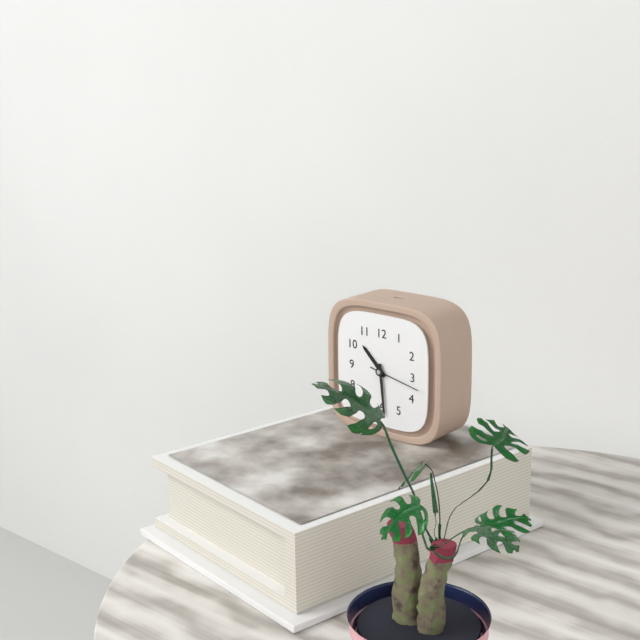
**10:29:17**
